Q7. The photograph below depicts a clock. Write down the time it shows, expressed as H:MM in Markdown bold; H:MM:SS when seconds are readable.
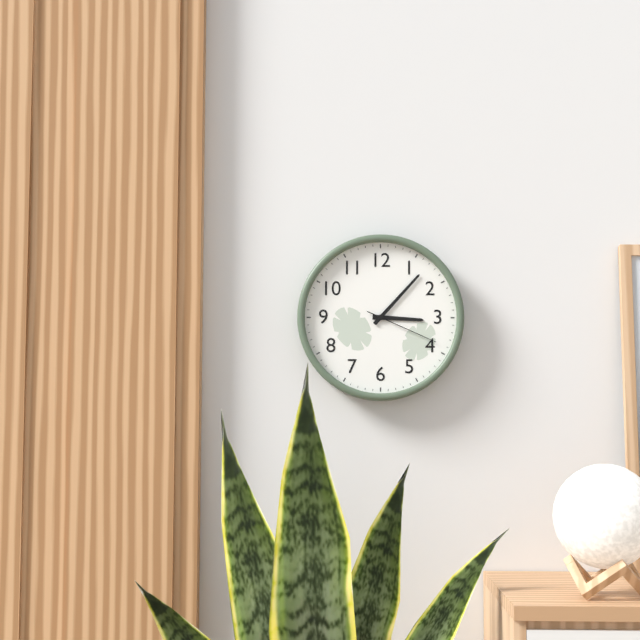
**3:07:19**
